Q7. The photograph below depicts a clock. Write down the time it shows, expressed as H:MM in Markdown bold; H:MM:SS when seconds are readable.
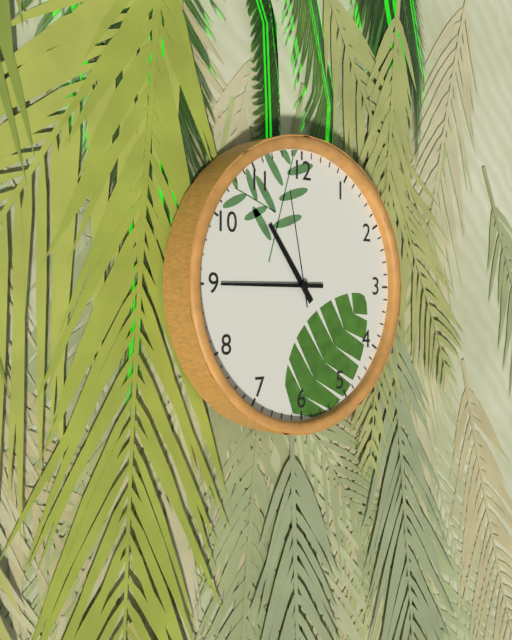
**10:45:58**
